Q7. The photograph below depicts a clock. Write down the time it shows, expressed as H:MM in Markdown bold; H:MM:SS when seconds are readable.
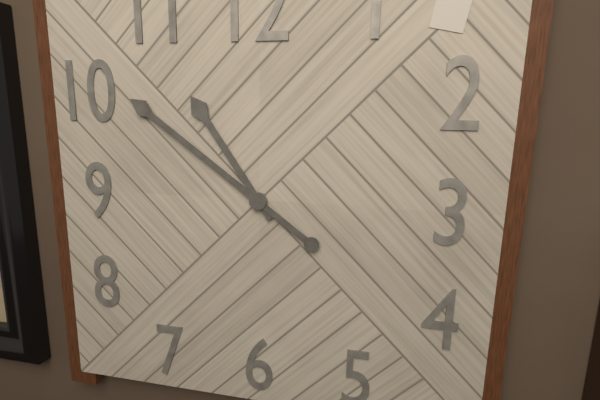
**10:51**
